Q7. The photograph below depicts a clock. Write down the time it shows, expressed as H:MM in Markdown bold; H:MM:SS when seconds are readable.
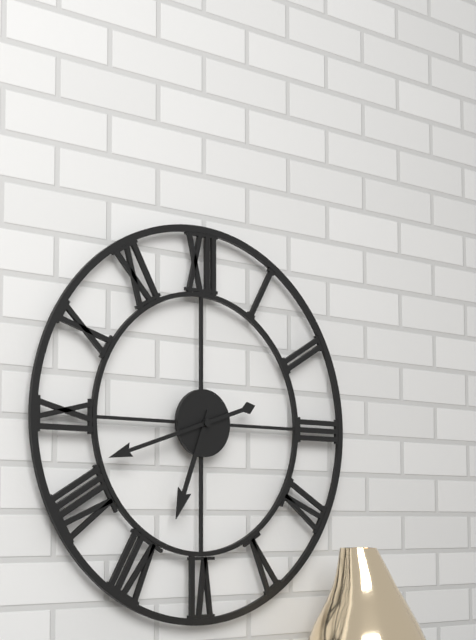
**6:42**
